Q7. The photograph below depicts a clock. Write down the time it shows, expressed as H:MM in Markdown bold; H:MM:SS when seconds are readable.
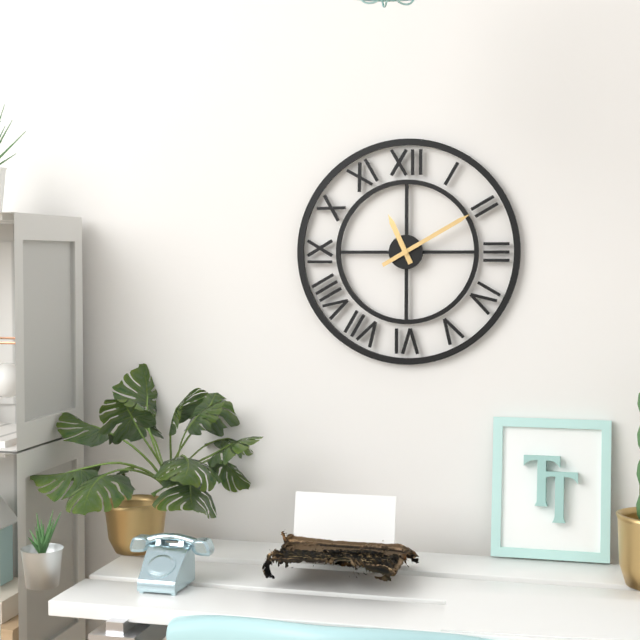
**11:10**
